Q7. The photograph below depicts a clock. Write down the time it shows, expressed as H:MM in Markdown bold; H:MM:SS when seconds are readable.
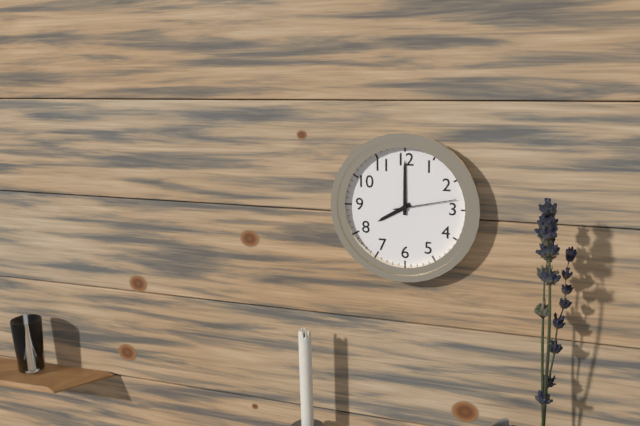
**8:00:13**
